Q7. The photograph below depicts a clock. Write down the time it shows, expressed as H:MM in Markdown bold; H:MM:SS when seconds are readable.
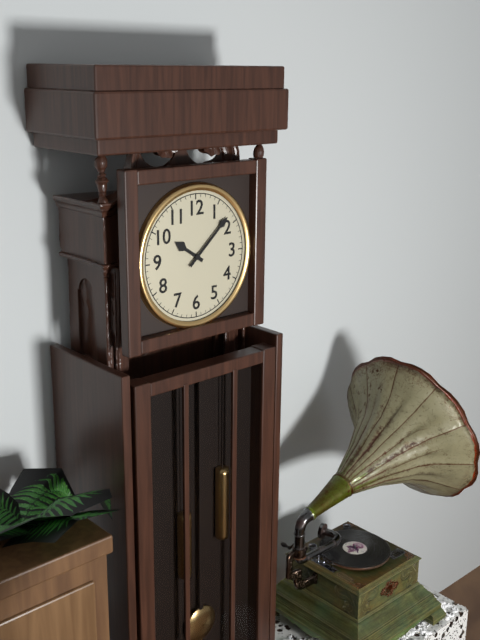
**10:08**
